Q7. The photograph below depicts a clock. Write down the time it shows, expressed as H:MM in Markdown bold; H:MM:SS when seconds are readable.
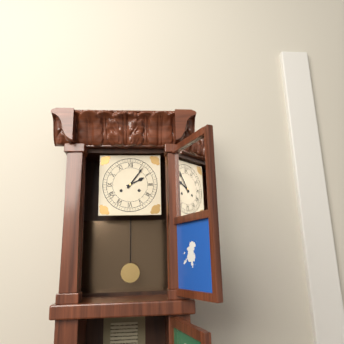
**2:06**
